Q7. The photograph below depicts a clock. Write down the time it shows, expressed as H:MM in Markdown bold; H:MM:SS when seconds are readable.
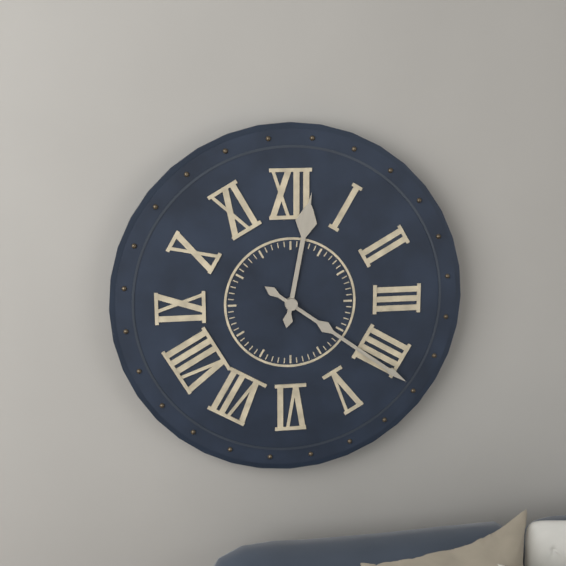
**12:21**
